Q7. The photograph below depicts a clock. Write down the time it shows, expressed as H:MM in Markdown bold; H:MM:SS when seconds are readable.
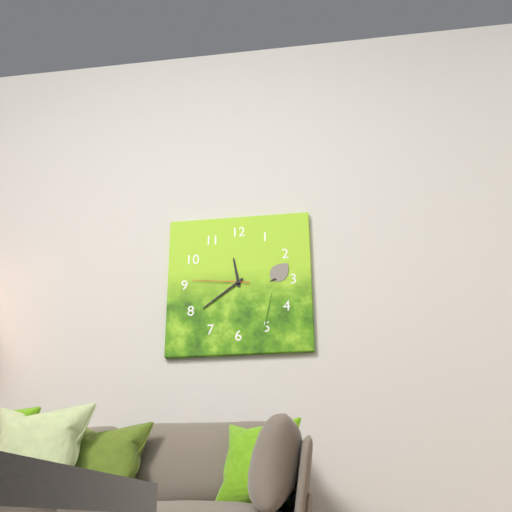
**11:39:46**
